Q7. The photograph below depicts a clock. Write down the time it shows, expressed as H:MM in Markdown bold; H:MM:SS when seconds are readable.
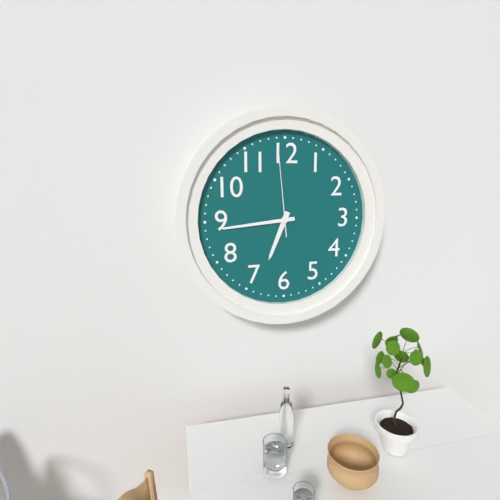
**6:44:59**
